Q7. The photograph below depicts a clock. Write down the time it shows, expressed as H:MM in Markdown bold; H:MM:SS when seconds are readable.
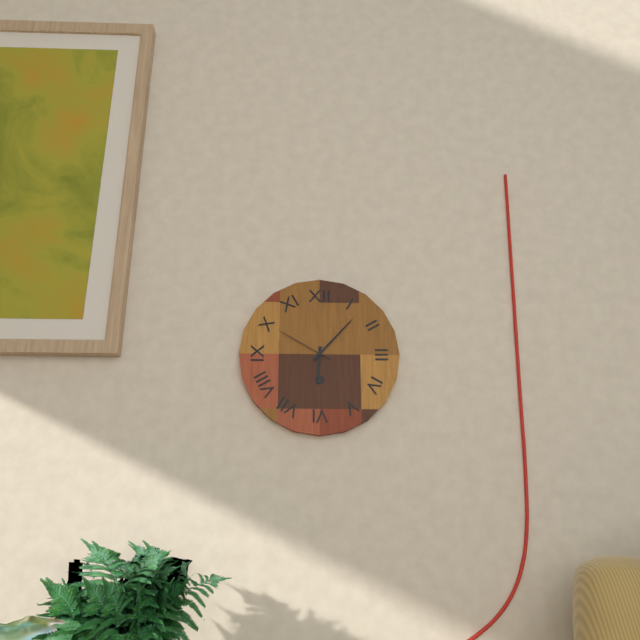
**6:07:50**
